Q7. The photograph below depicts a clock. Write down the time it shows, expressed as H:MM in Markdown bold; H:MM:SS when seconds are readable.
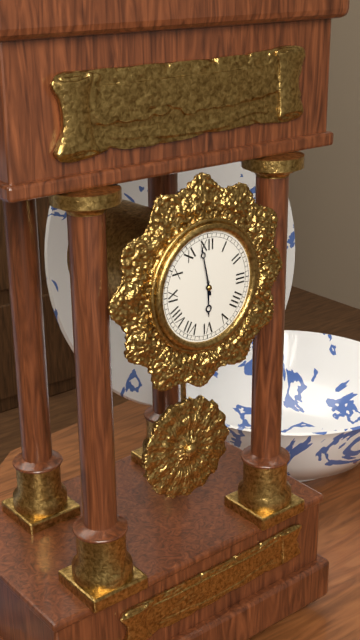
**5:58**
